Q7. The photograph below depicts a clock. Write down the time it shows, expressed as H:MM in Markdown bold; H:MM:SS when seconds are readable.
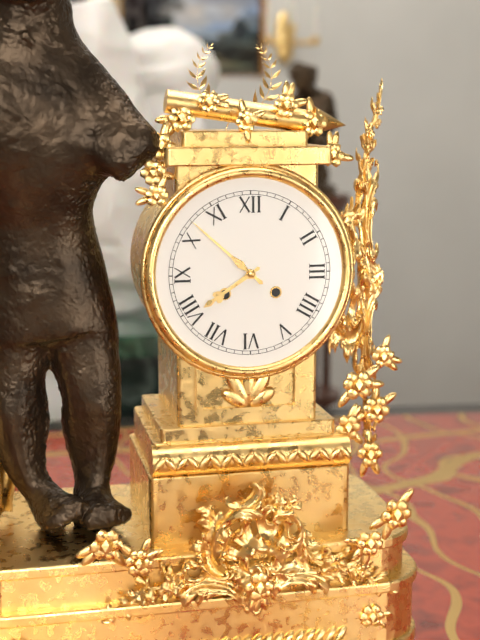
**7:52**
